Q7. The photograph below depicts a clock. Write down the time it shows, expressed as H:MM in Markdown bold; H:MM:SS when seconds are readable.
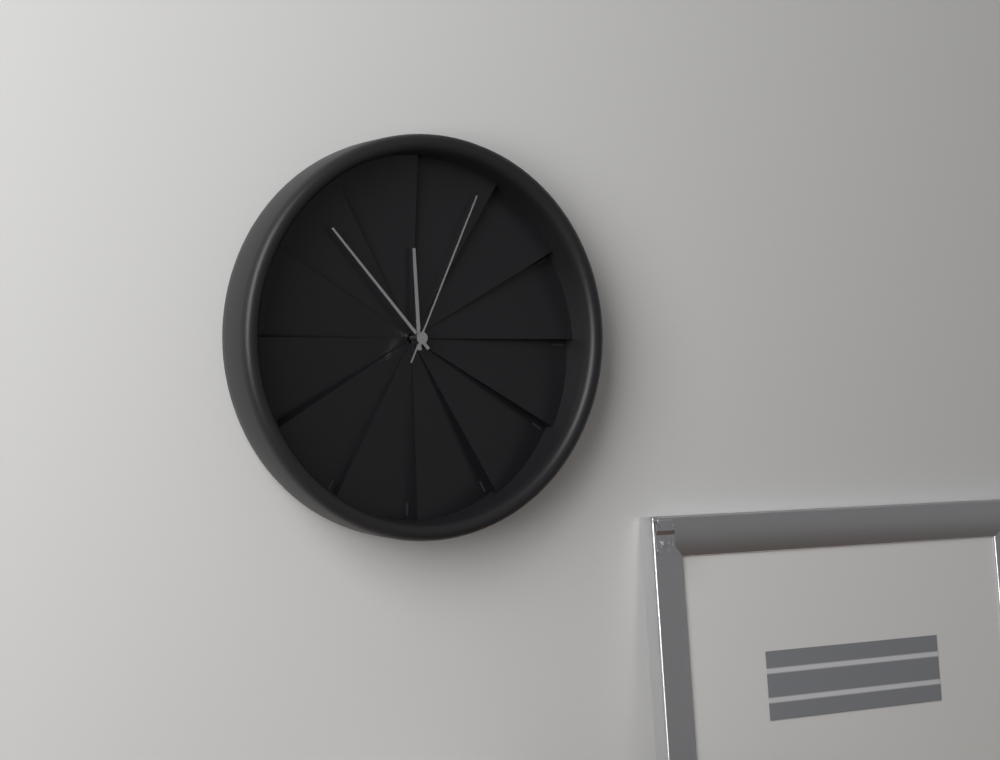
**11:53:04**
